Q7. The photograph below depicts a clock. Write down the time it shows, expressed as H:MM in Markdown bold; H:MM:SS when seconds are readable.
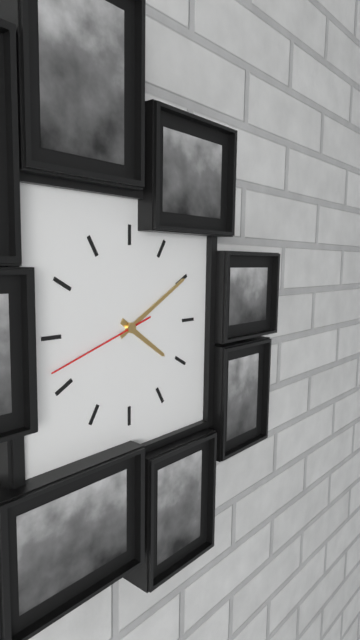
**4:10:42**
